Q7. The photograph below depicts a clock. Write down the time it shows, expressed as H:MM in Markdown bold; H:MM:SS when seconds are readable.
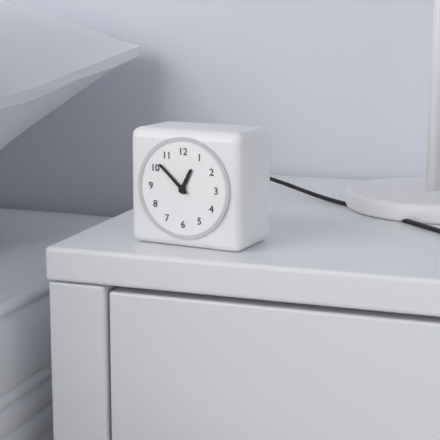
**12:52**
